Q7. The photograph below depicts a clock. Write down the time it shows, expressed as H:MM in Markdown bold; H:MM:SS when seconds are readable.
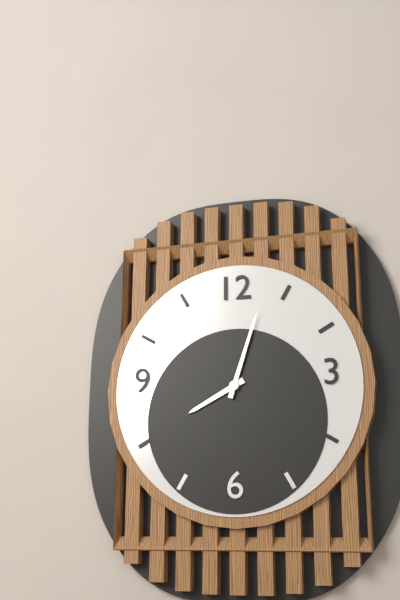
**8:03**
